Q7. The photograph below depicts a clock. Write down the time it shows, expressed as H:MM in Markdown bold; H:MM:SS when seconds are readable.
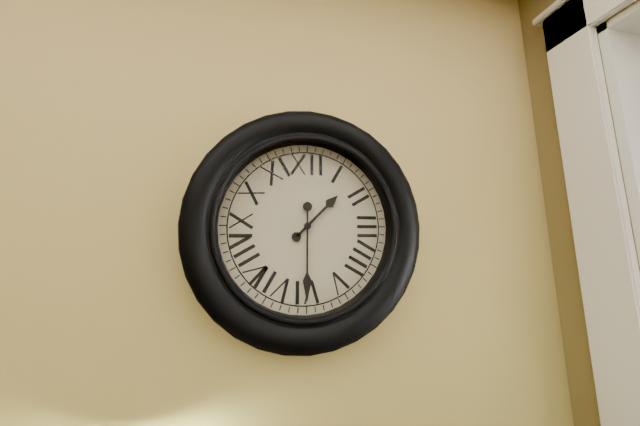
**1:30**
